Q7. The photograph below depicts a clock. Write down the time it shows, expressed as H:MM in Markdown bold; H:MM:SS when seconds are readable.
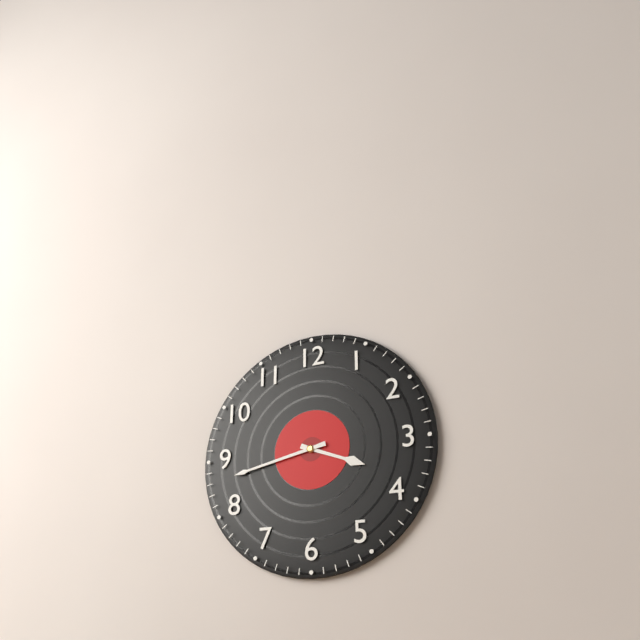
**3:43**
